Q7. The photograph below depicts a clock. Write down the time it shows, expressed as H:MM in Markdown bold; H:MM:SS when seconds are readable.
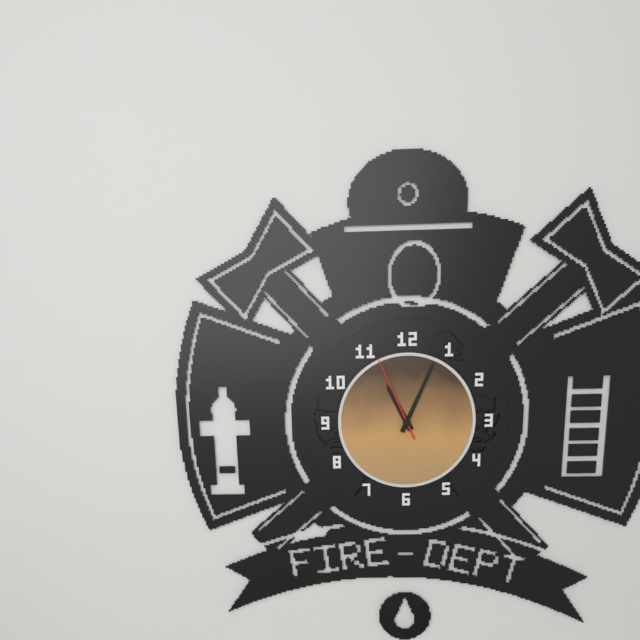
**11:04:56**
